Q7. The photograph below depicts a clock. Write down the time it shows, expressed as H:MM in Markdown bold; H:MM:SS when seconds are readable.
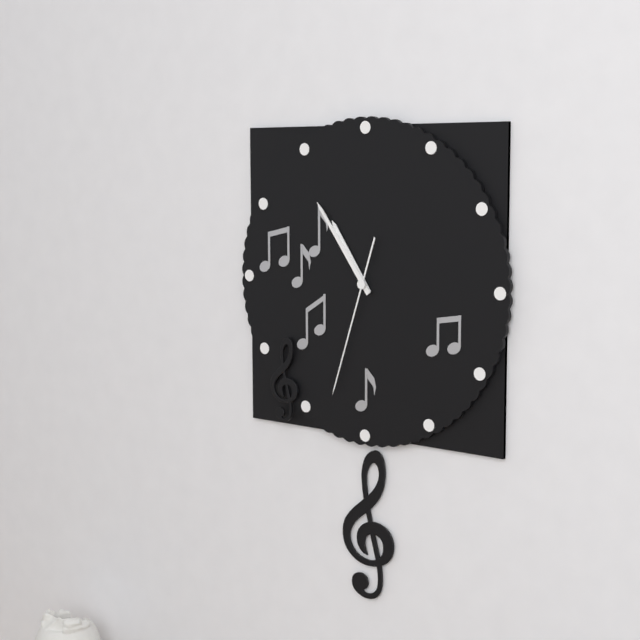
**10:54:33**
